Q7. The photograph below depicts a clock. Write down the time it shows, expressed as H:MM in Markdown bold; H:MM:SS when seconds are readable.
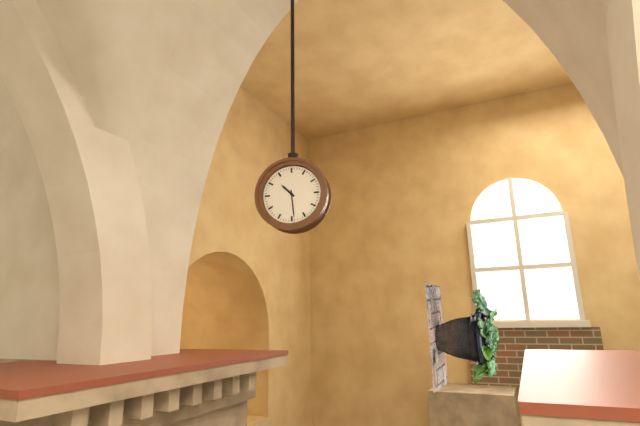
**10:29**
